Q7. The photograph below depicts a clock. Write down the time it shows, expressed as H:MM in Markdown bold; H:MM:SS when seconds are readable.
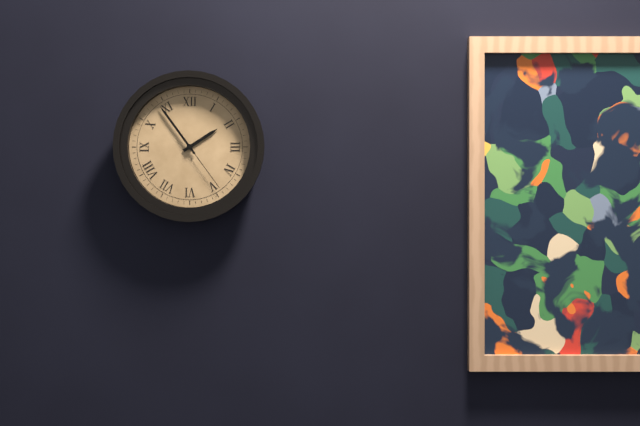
**1:54:24**
